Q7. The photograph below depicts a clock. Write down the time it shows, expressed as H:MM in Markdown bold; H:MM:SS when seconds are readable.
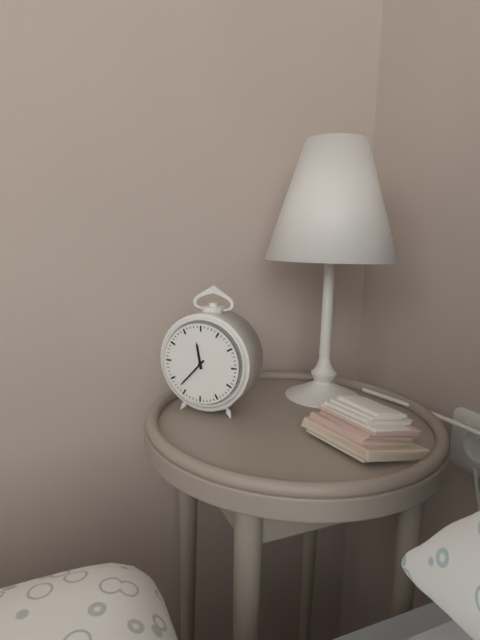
**11:37**
